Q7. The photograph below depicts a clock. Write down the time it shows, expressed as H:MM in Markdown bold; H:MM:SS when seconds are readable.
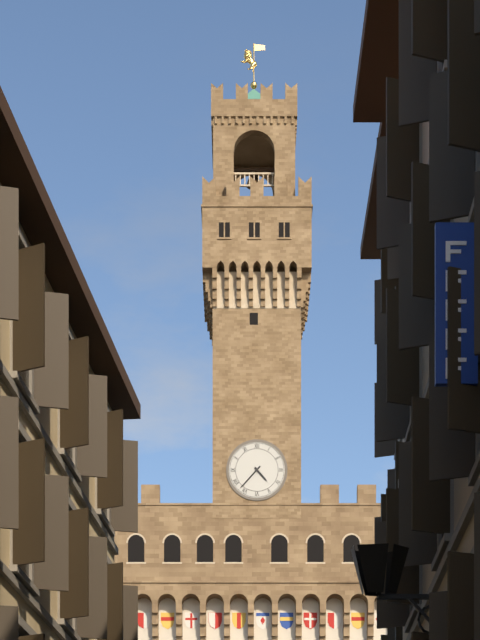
**4:37**
